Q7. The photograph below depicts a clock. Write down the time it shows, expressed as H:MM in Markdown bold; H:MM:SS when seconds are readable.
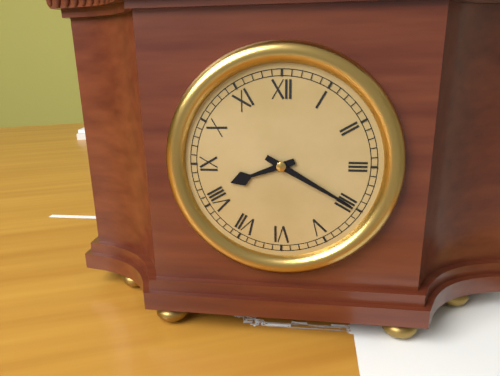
**8:20**
